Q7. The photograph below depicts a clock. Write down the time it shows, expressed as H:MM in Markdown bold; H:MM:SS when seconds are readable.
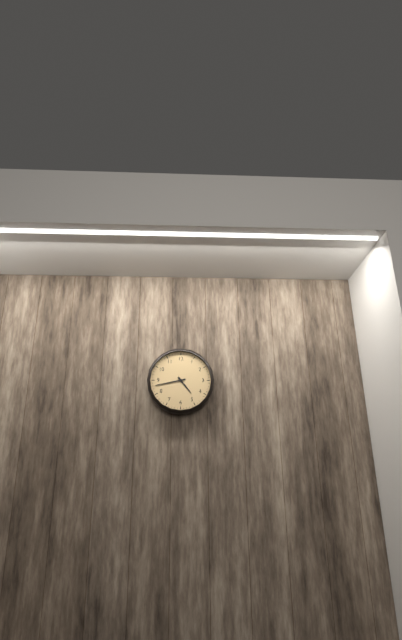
**4:43**
